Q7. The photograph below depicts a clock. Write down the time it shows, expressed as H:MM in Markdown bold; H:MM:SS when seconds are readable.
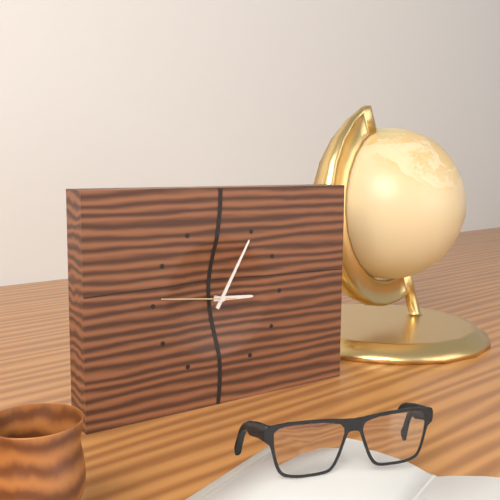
**3:05:46**
